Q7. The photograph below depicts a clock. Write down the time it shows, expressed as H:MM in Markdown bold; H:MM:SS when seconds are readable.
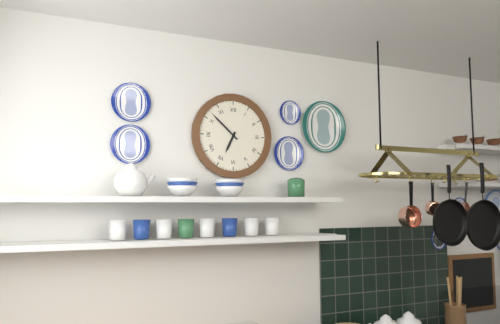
**6:52**
